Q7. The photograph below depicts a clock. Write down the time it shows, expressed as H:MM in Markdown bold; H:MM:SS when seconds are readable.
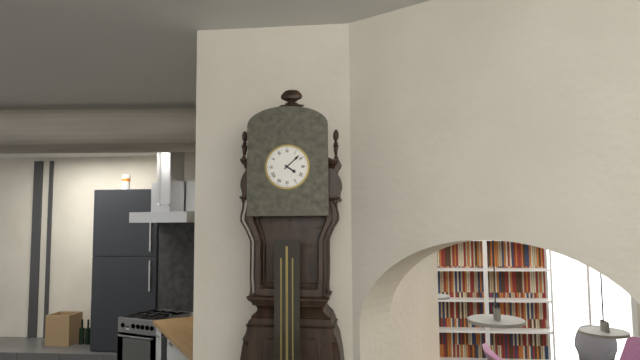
**4:08**
